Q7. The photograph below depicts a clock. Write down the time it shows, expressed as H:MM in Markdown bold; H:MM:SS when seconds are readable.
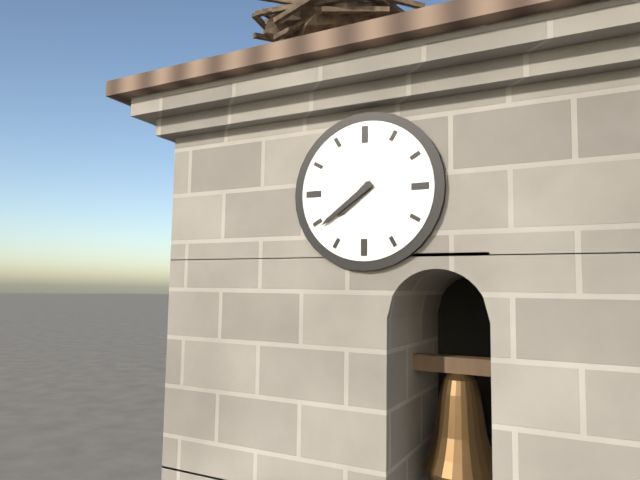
**7:39**
